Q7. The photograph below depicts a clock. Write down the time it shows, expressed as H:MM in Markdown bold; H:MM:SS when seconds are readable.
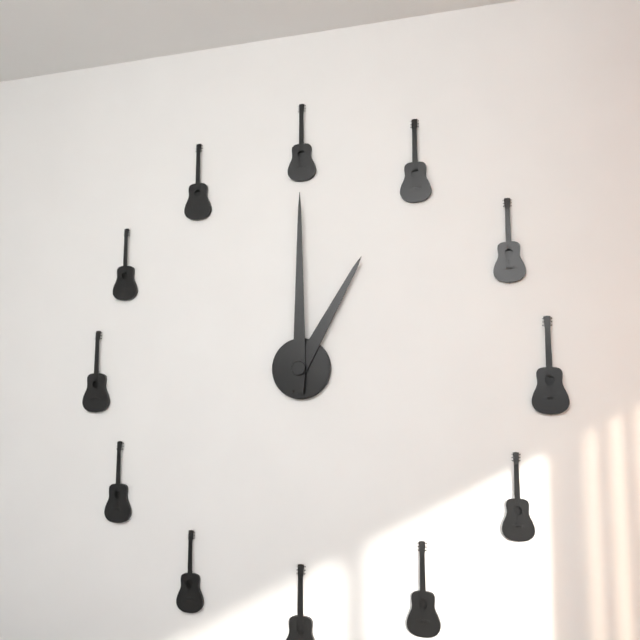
**1:00**
